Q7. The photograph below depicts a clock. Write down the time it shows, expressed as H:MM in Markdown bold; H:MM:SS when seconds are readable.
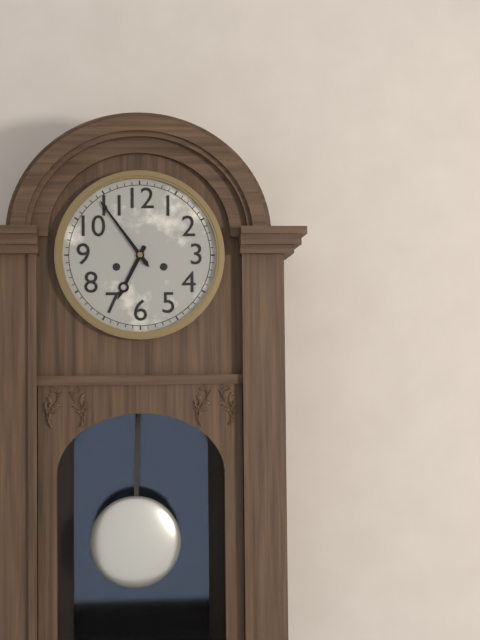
**6:54**
